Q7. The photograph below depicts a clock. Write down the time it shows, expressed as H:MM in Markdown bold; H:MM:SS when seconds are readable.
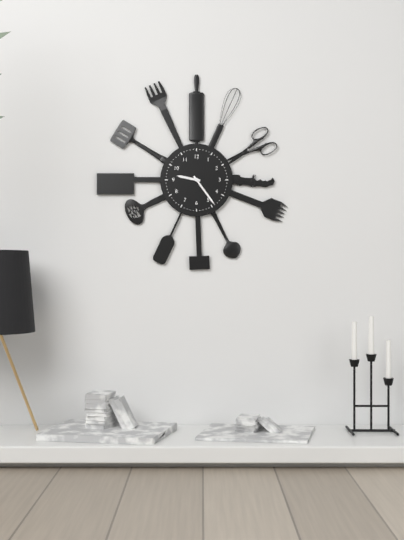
**9:24**
